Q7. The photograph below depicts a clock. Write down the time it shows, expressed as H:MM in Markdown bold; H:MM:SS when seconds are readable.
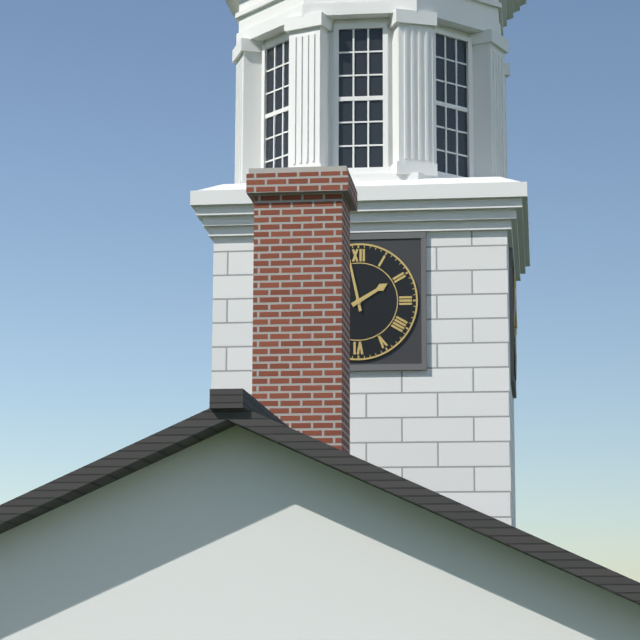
**1:58**
